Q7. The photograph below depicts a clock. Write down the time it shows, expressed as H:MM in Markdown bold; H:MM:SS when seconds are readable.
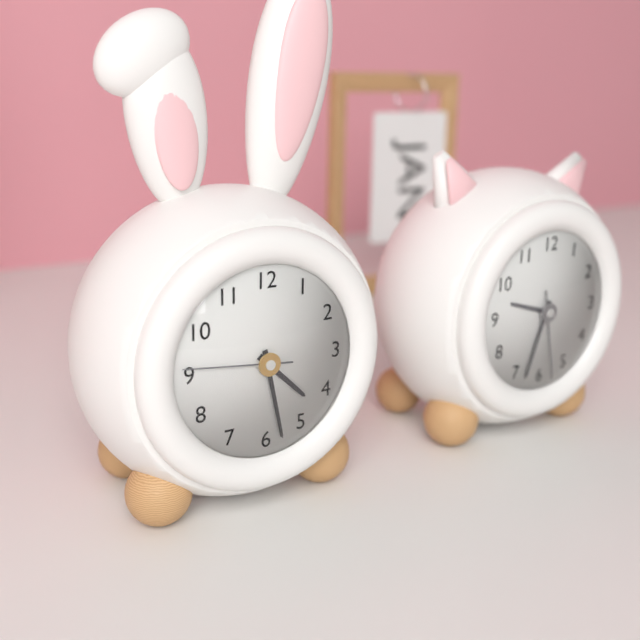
**4:28:46**
